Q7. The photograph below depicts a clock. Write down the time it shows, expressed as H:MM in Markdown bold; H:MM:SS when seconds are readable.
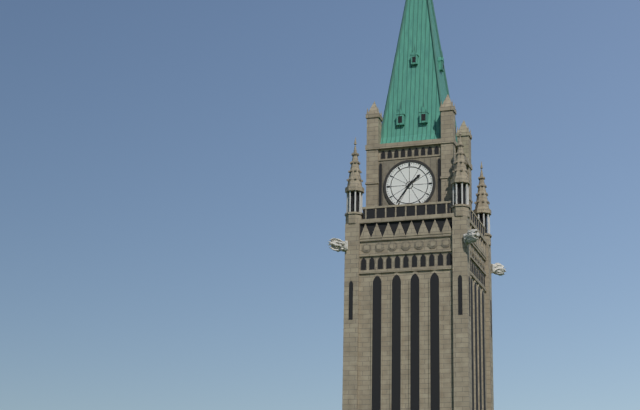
**1:36**
